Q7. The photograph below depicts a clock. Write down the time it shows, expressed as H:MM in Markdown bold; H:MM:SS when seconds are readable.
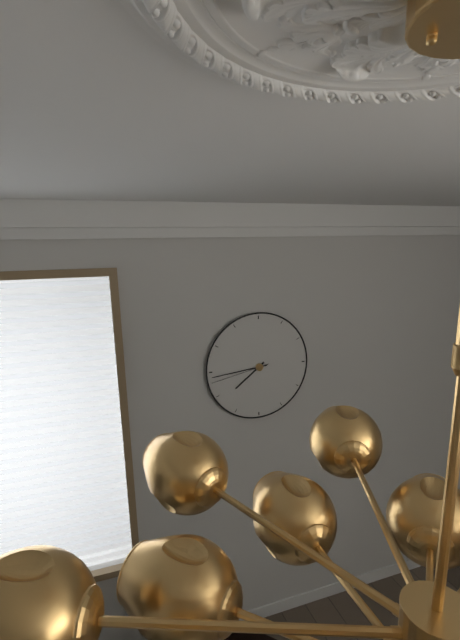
**7:44:43**
